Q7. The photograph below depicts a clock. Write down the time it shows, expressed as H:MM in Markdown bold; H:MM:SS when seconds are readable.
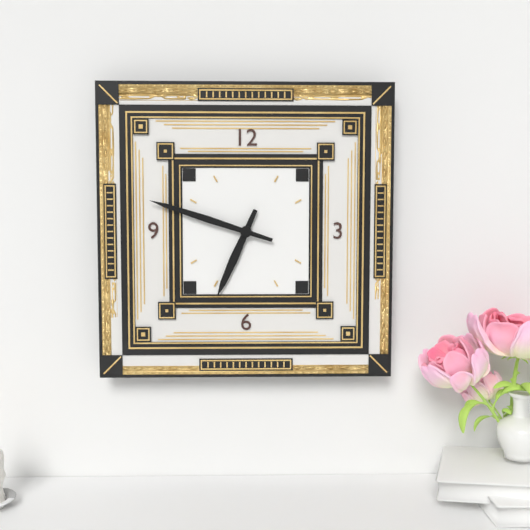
**6:48**
